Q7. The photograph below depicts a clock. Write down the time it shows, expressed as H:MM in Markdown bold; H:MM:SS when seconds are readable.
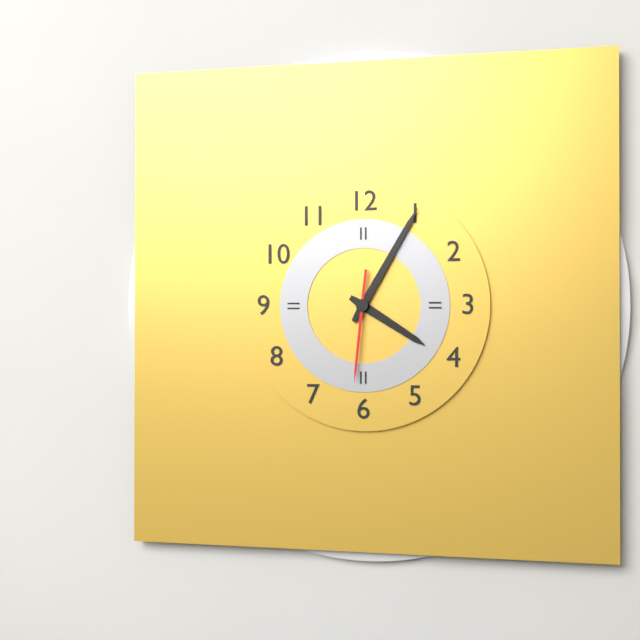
**4:05:31**
